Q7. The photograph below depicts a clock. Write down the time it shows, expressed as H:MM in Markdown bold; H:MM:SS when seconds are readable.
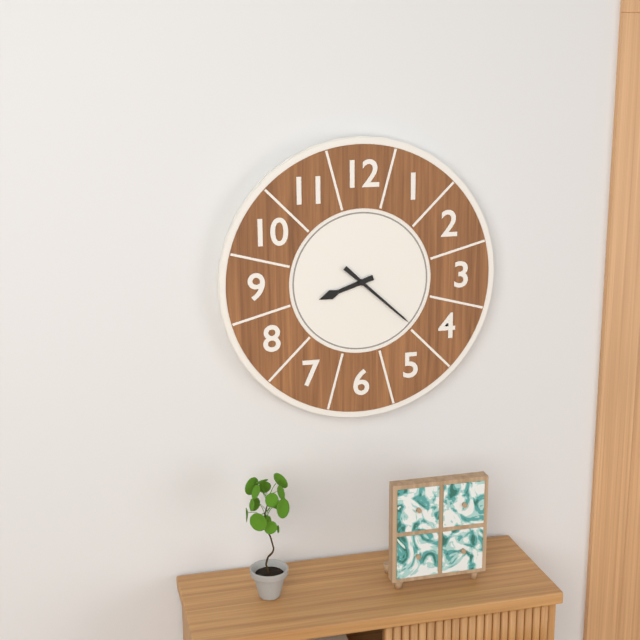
**8:22**
